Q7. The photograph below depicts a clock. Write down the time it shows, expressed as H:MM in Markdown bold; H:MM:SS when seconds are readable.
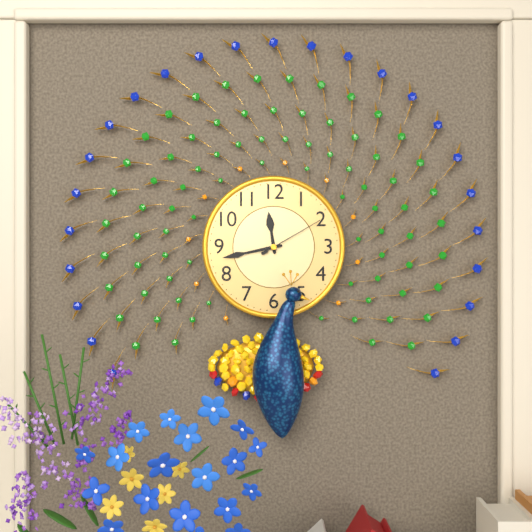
**11:43:10**
